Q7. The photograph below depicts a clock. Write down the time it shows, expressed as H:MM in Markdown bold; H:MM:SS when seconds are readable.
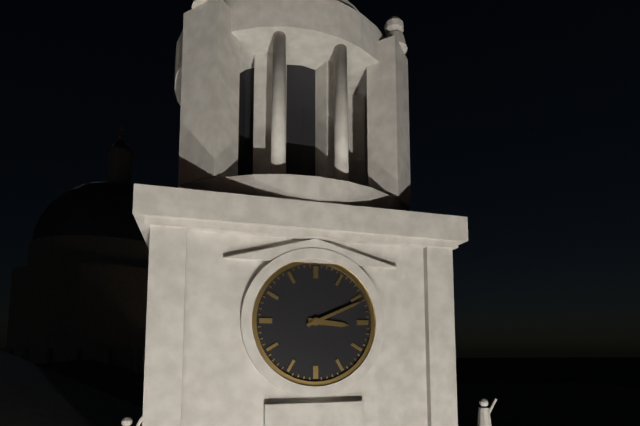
**3:11**
